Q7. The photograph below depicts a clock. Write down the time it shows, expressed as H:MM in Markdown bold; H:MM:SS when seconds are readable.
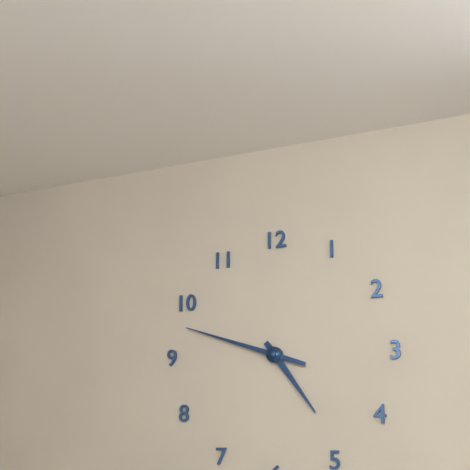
**4:48**
